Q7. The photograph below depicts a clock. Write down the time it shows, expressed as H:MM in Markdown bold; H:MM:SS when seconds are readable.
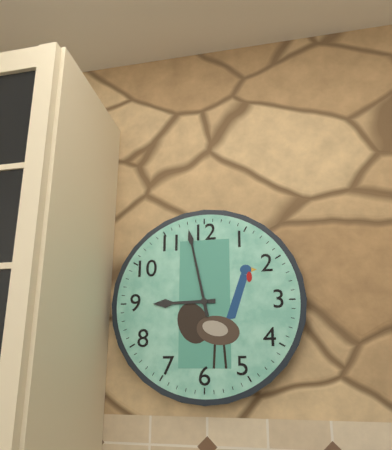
**8:58**
